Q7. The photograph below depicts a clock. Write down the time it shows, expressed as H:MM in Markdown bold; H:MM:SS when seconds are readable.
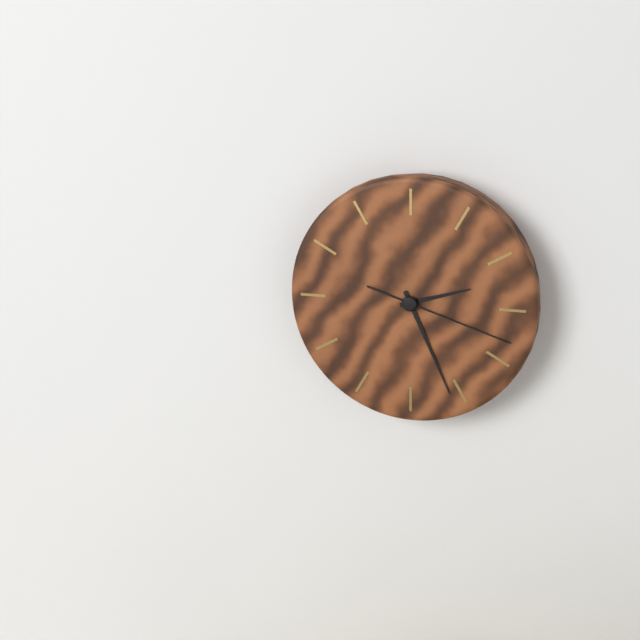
**2:26:18**
